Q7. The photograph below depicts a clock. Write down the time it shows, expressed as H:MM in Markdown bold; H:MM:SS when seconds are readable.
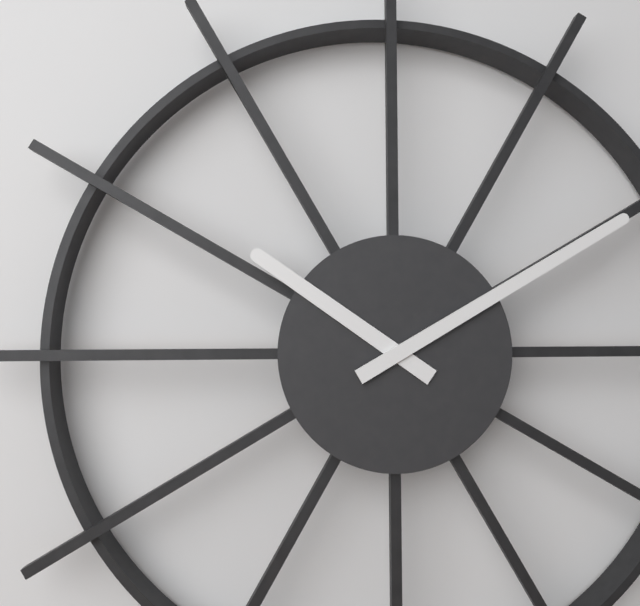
**10:10**
